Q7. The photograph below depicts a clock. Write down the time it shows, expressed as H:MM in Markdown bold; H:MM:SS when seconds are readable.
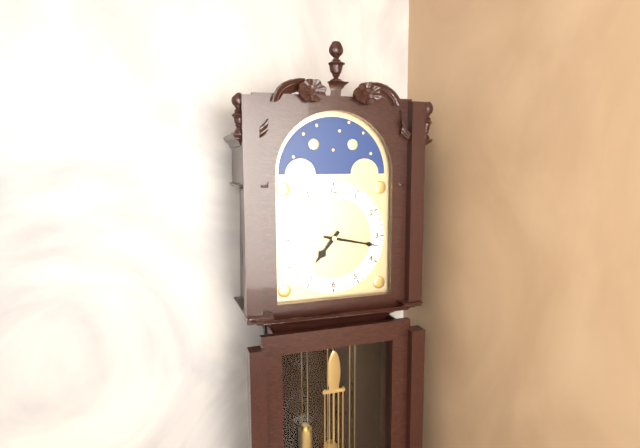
**7:17**
